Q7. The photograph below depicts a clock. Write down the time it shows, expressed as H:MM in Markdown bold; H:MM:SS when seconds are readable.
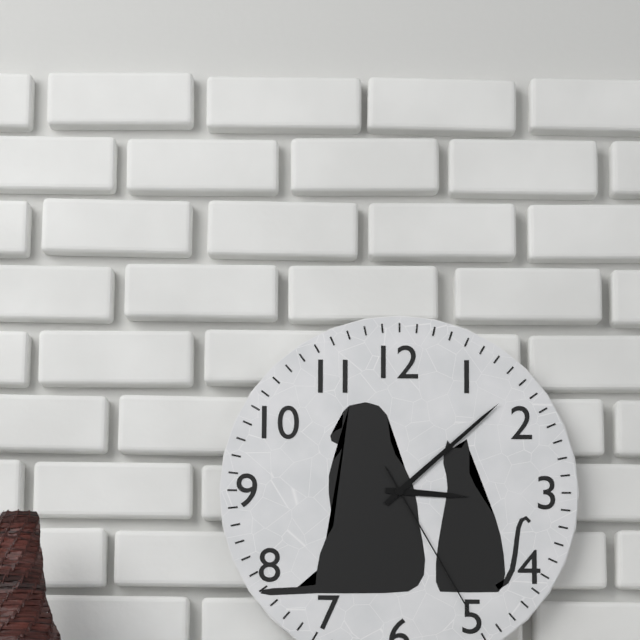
**3:08:25**
